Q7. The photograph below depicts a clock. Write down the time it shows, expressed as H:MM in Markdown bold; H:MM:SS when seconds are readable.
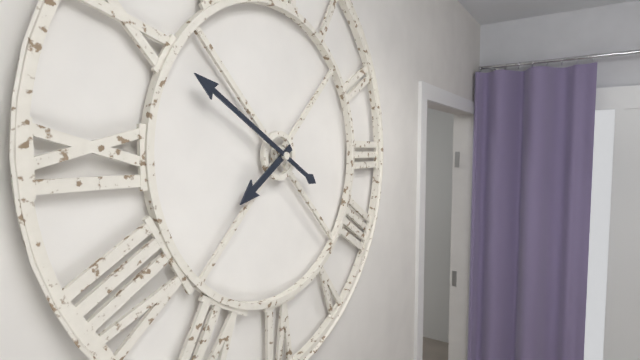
**7:50**
